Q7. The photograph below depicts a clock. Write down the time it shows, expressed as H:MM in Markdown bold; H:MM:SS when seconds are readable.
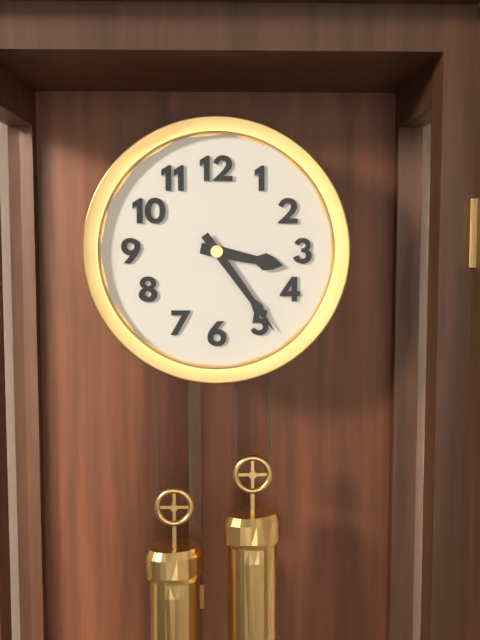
**3:24**
